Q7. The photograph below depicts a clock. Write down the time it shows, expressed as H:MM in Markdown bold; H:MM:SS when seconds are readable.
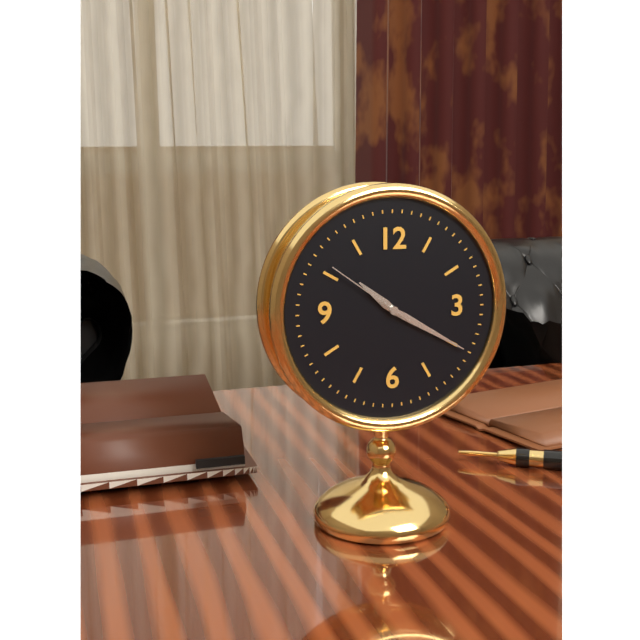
**10:20:51**
